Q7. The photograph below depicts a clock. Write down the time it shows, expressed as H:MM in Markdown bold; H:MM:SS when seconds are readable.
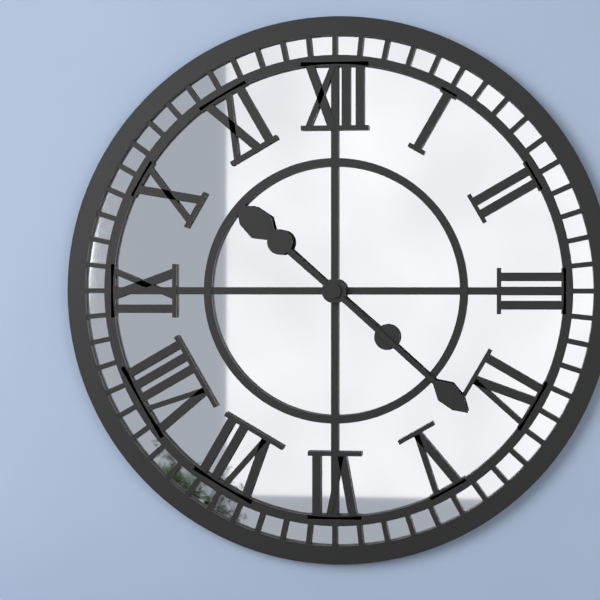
**10:22**
